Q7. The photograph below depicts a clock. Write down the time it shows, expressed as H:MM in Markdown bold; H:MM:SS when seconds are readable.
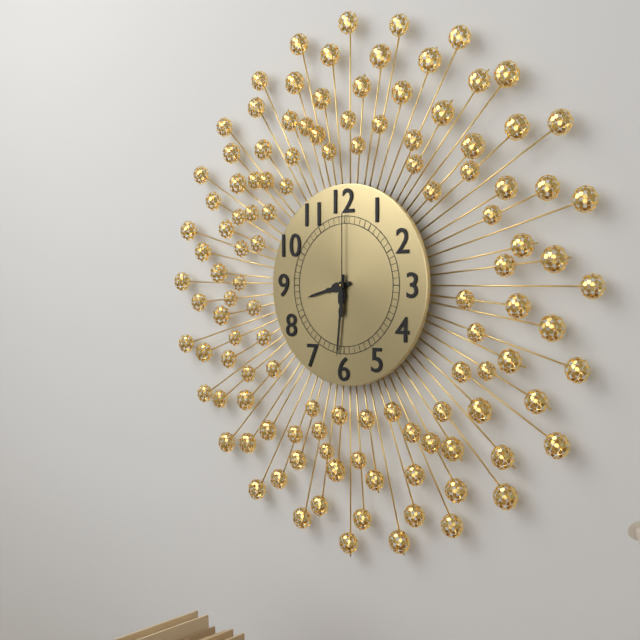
**8:31:00**
